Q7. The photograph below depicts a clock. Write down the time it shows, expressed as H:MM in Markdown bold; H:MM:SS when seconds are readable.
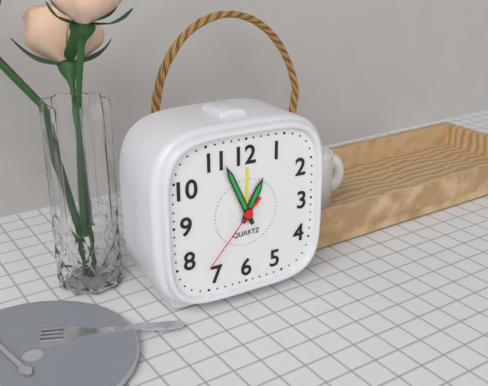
**12:56:37**
